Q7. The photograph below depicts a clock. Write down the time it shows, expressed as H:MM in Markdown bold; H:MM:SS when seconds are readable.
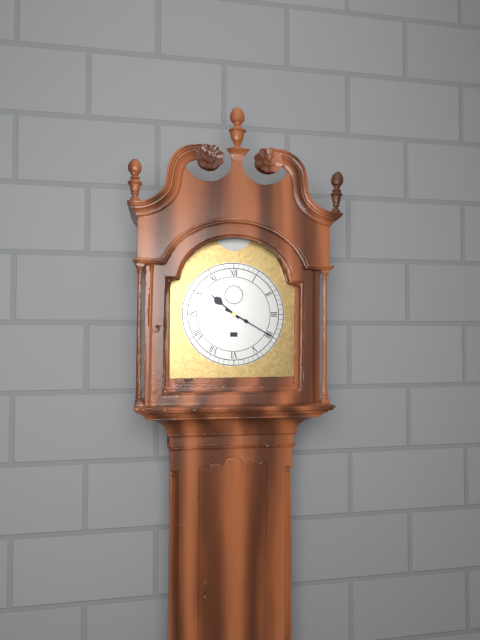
**10:20**
